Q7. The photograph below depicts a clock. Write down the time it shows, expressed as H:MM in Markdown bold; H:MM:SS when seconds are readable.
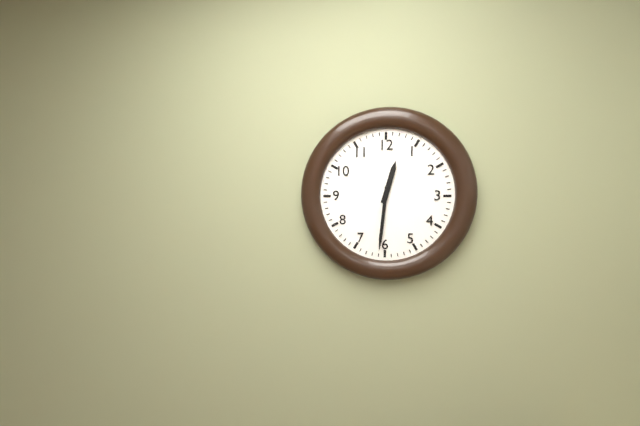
**12:31**
